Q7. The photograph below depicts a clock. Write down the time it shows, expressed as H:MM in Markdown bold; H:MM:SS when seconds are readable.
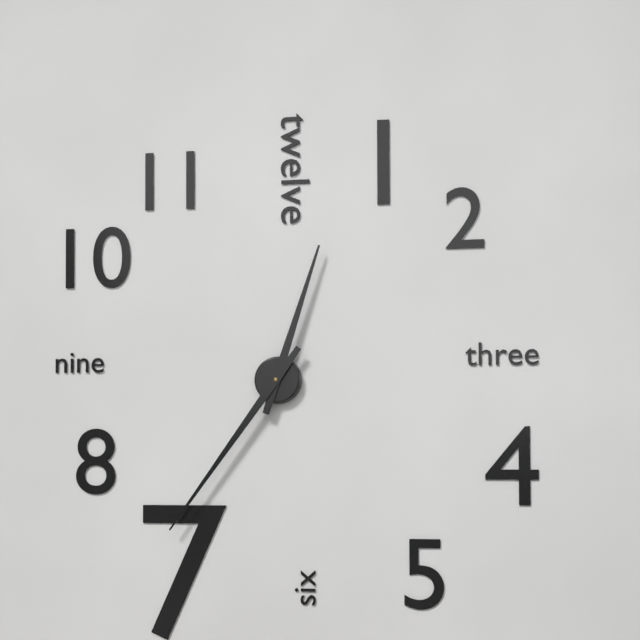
**12:36**
